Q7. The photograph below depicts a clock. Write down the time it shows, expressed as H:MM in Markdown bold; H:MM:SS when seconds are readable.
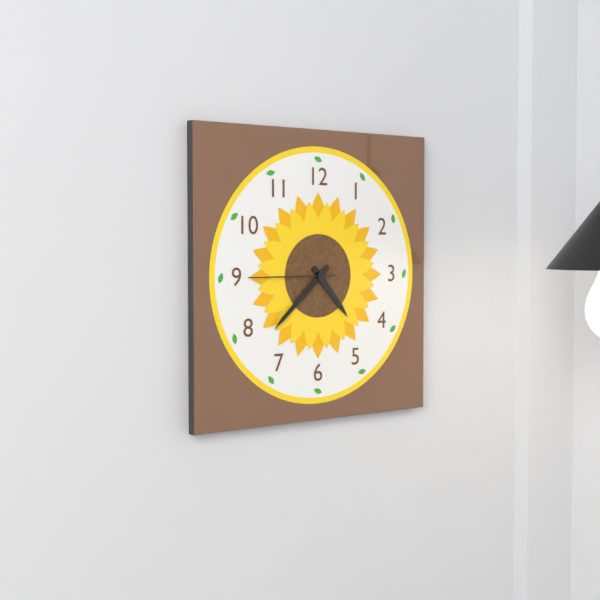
**4:38:45**
